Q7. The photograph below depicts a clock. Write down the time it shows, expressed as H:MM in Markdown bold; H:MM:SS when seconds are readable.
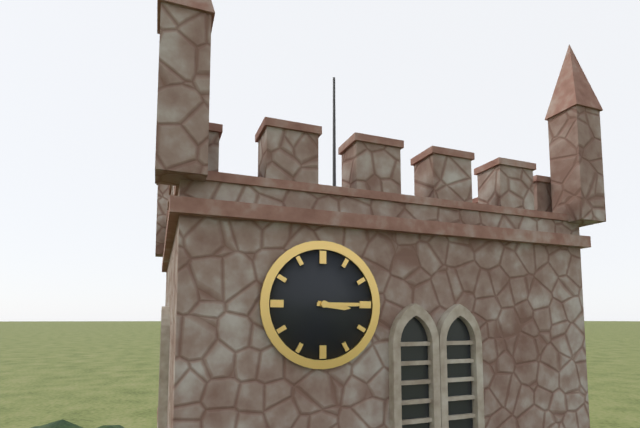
**3:15**
